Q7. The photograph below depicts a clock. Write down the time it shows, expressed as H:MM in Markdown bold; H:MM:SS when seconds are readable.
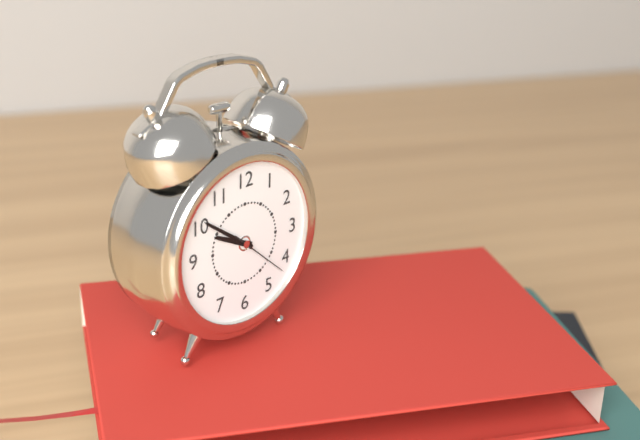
**9:51:22**
